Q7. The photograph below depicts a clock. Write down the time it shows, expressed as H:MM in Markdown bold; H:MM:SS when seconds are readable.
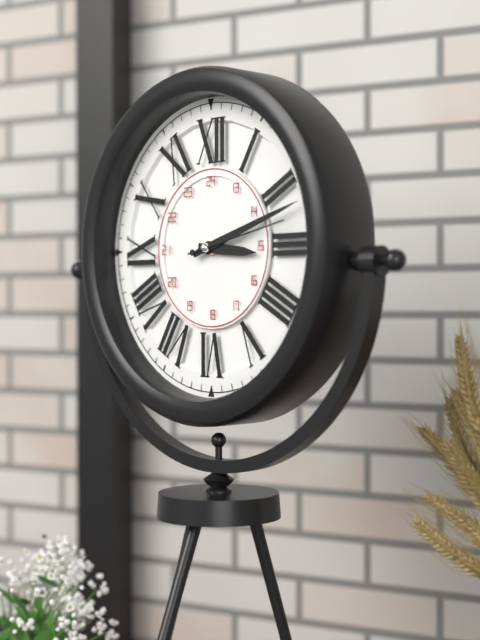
**3:12:13**
